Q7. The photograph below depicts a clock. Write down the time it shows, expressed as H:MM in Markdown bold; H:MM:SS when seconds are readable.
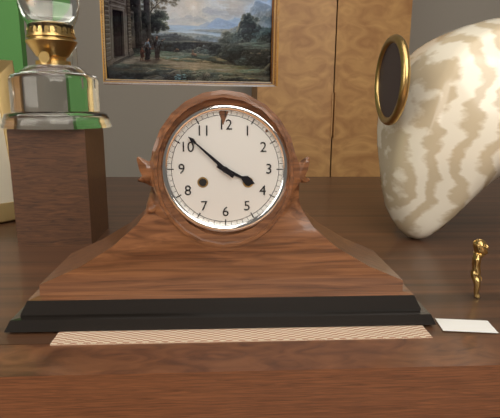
**3:52**
